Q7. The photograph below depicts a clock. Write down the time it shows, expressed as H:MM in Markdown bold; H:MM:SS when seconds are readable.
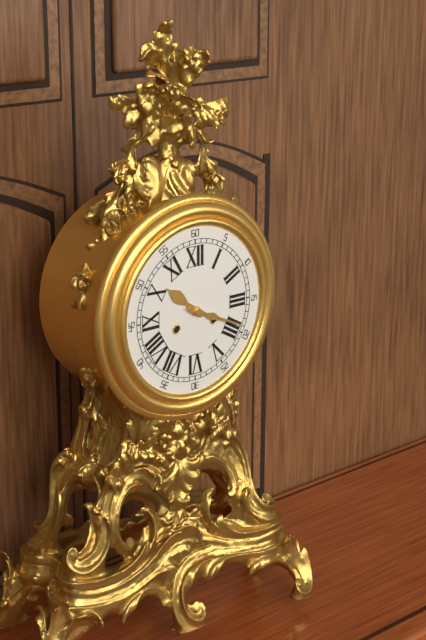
**10:19**
